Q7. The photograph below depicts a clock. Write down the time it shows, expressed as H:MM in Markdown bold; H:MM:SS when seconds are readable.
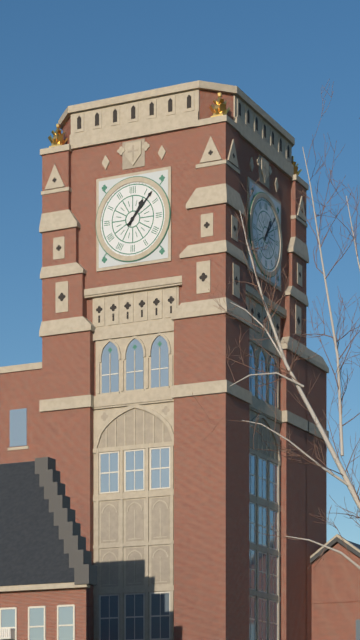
**1:07**
